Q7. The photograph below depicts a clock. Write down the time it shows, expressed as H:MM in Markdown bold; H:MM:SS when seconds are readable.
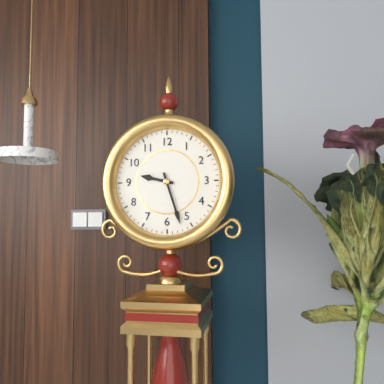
**9:27**
